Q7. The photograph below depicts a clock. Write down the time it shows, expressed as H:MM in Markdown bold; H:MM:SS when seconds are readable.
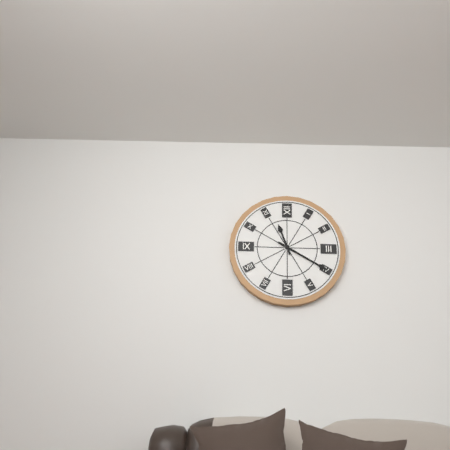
**11:20**
